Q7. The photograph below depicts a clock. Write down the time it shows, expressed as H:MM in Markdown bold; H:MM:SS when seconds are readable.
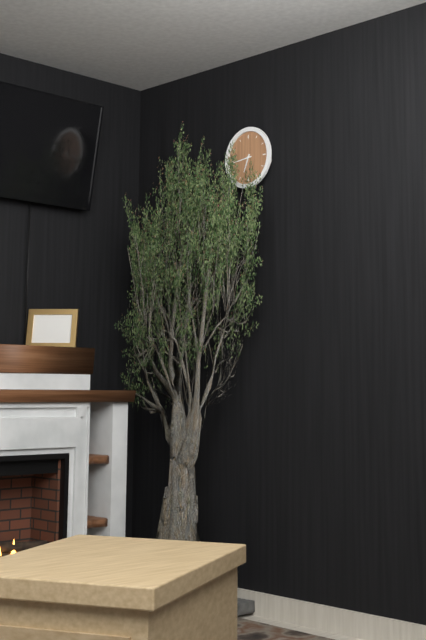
**6:44**
